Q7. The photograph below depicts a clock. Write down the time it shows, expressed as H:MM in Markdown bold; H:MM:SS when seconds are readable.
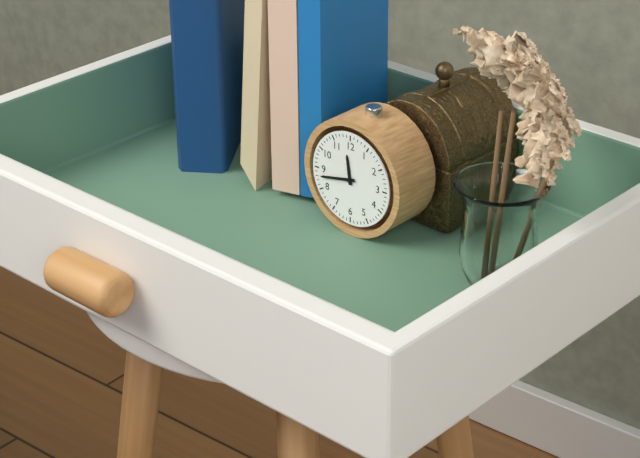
**11:43**
